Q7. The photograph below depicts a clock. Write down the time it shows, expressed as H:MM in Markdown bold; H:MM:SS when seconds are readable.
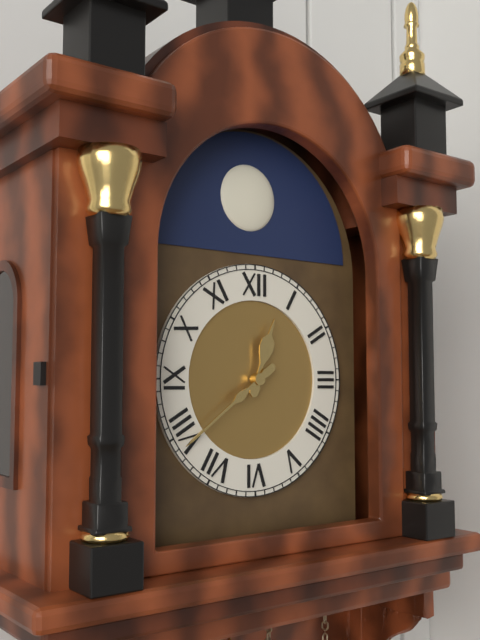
**12:39**
